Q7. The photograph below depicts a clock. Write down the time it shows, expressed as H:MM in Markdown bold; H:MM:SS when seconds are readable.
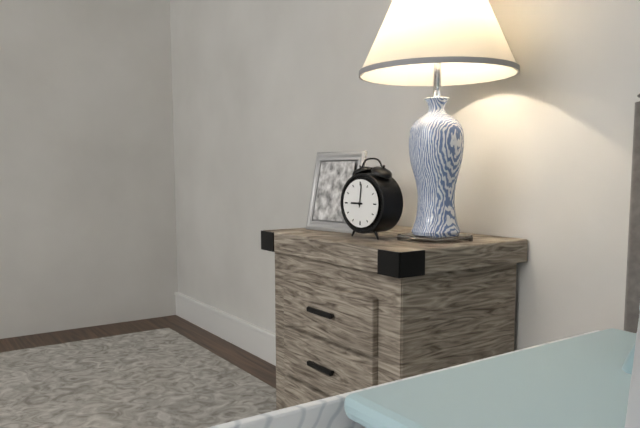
**9:01**
